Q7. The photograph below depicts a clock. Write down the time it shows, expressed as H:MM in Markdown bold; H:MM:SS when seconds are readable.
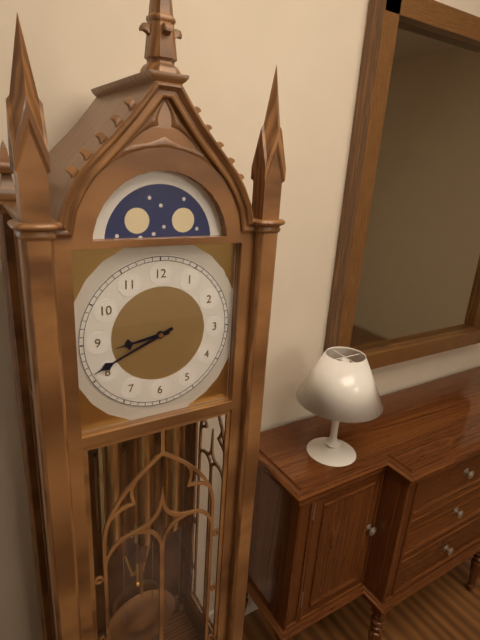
**8:41**
